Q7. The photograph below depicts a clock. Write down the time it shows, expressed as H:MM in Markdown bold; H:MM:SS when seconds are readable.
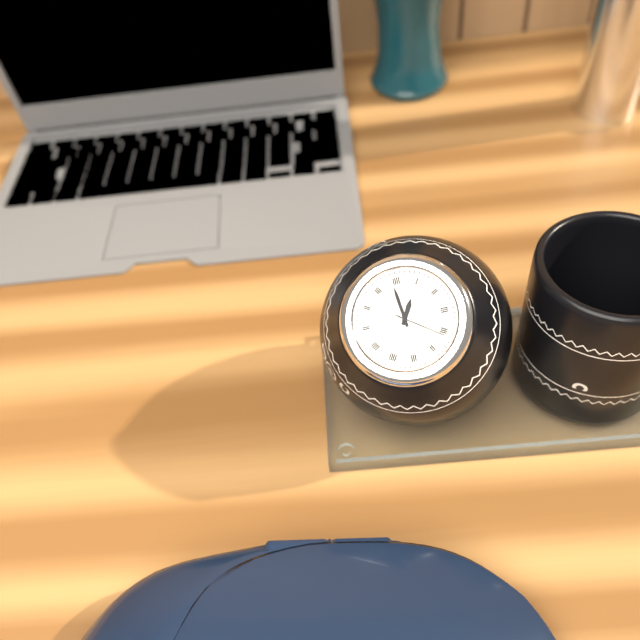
**12:59:21**
